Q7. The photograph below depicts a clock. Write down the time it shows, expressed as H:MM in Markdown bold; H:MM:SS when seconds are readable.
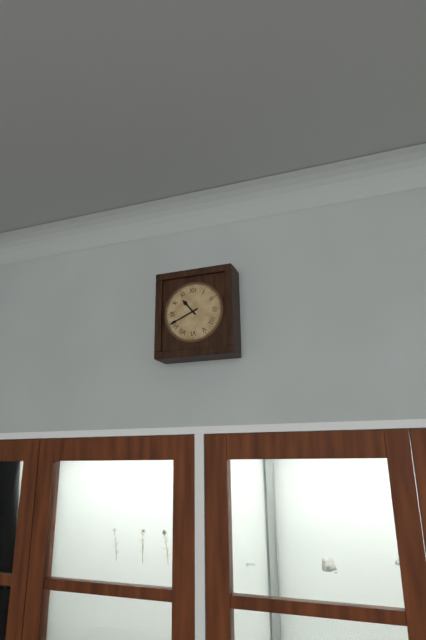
**10:41**
